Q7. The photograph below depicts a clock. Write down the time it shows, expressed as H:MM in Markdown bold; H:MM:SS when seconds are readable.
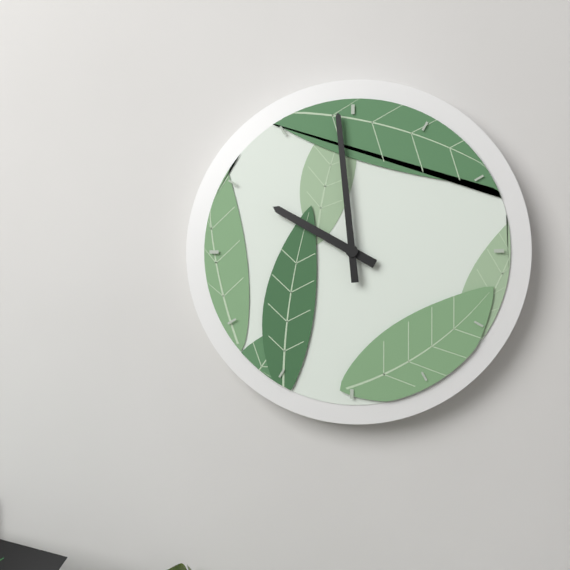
**9:59**
